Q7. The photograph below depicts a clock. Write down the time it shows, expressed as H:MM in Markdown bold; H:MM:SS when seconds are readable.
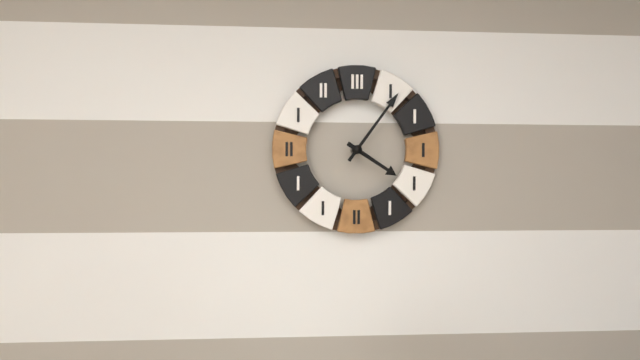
**4:06**
